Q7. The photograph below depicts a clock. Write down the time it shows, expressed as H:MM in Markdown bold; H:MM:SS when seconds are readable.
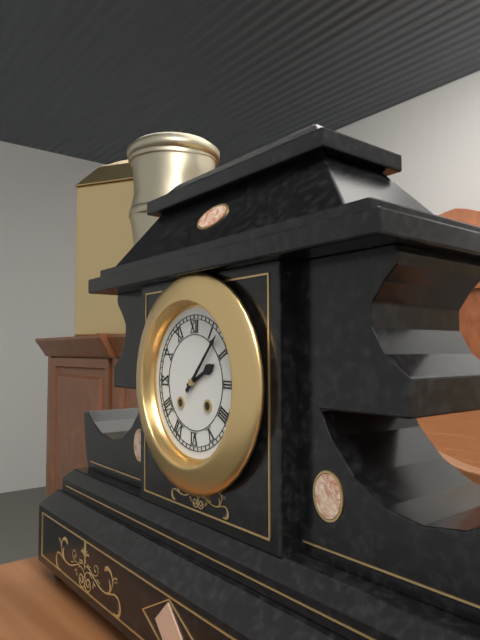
**2:07**
